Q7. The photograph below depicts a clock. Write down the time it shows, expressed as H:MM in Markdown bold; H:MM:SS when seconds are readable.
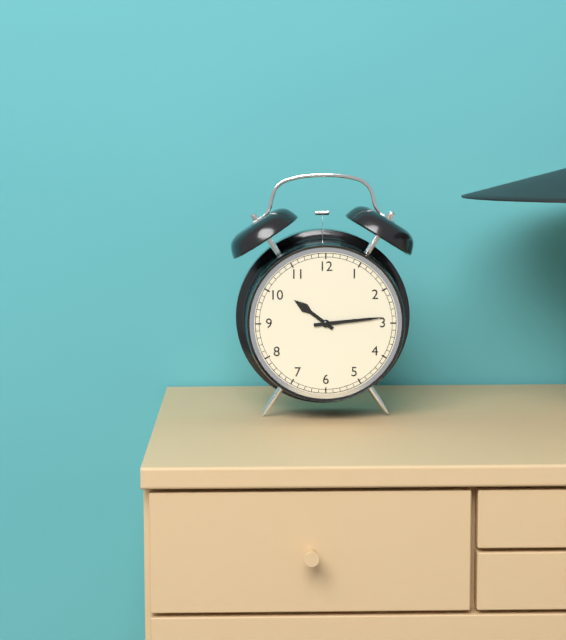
**10:14**
